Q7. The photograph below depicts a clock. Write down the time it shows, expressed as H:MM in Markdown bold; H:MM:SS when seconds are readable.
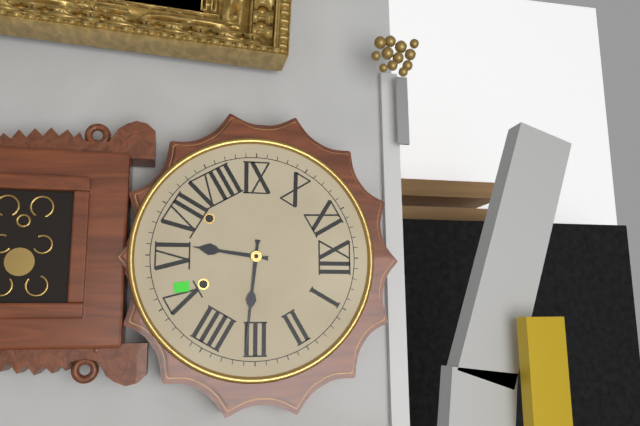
**6:16**
